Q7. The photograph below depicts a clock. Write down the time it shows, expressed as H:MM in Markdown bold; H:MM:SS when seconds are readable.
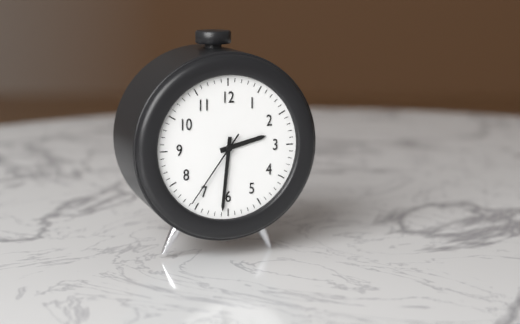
**2:31:36**
